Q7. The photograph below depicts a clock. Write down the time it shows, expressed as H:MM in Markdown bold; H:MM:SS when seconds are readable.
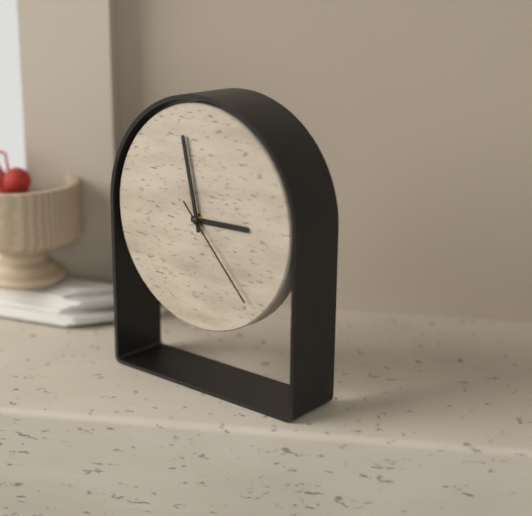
**2:58:23**
